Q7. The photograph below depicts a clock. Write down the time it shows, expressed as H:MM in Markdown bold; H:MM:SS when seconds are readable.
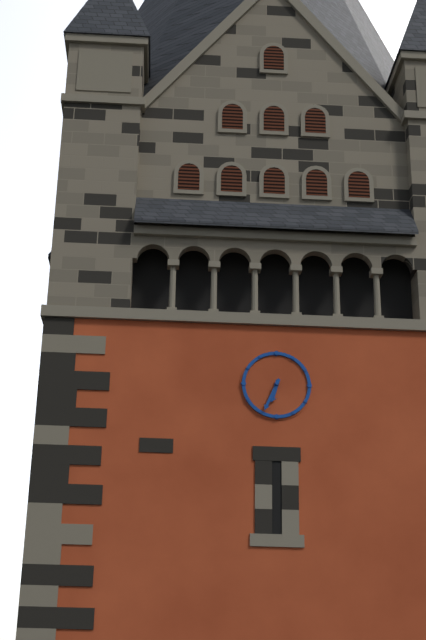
**6:34**
